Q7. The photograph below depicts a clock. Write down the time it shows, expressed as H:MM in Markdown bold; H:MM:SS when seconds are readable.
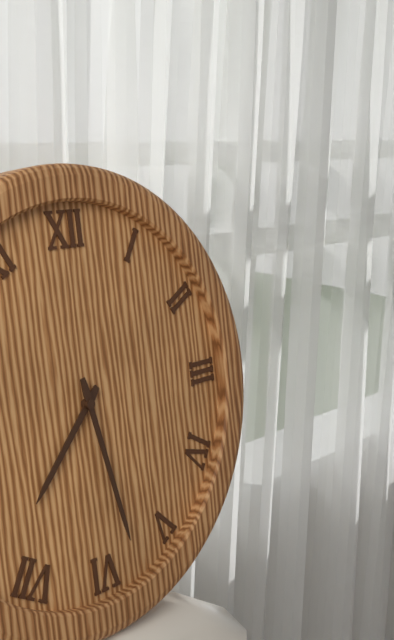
**7:28**
